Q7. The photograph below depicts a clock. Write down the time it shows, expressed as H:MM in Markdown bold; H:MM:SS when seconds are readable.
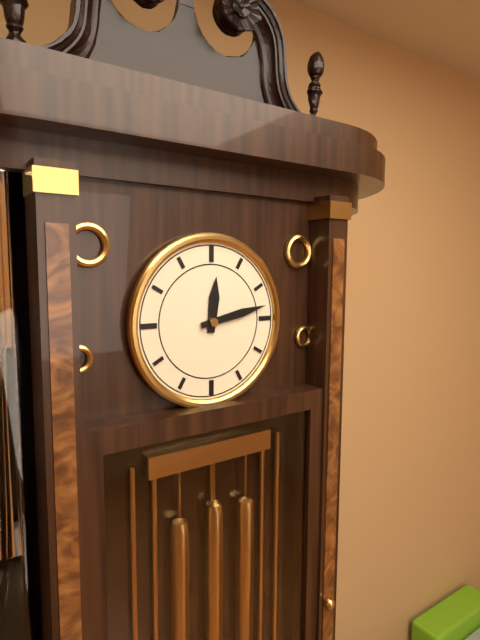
**12:13**
